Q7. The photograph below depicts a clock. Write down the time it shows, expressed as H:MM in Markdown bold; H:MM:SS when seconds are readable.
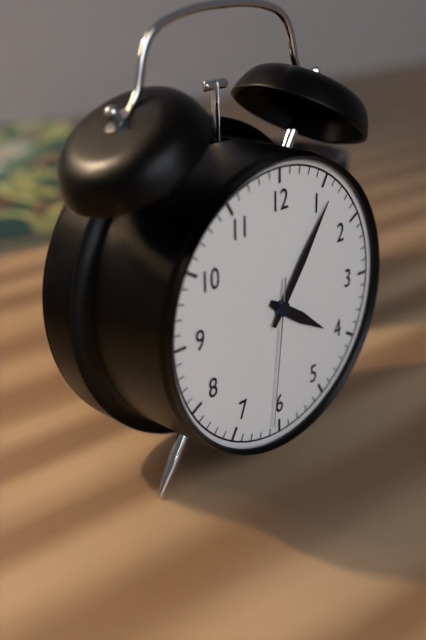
**4:06:31**
